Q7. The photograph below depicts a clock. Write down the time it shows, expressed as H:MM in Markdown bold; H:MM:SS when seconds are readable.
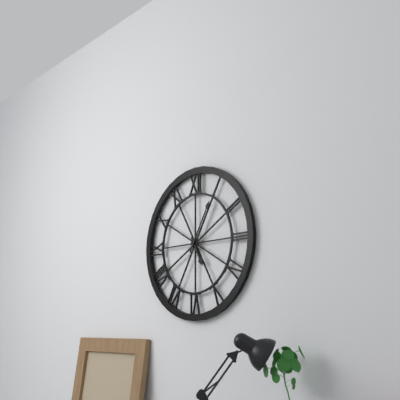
**5:05**
